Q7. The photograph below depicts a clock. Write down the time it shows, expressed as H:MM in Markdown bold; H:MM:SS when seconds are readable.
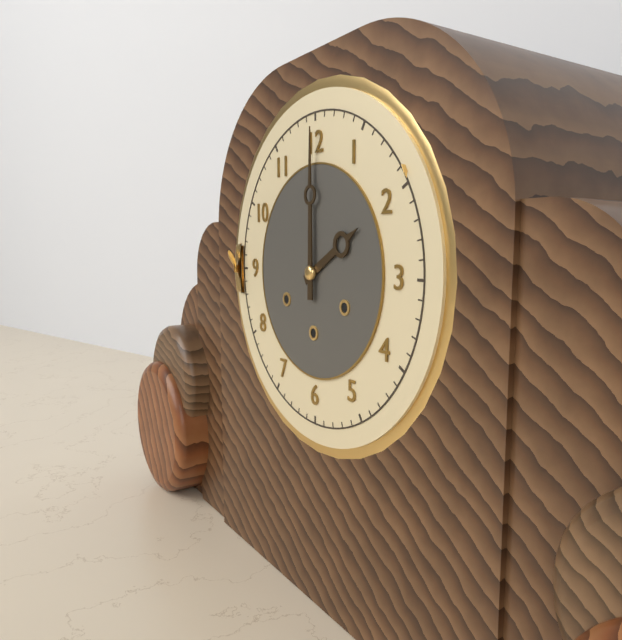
**2:00**
